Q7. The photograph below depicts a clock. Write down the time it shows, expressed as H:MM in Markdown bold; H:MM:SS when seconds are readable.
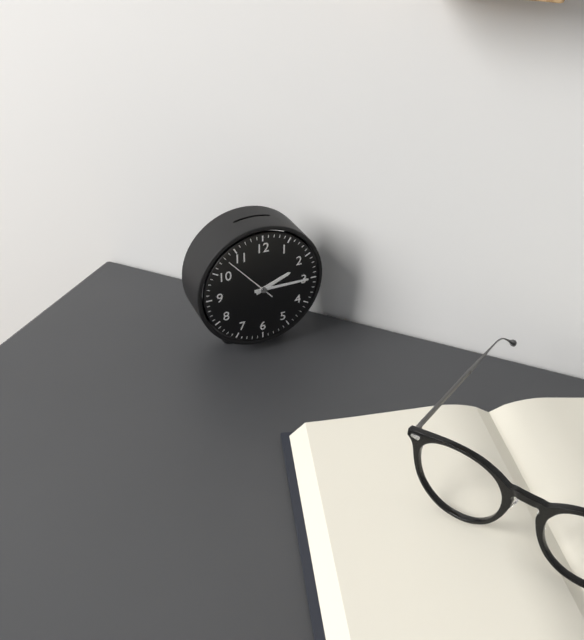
**2:15:53**
